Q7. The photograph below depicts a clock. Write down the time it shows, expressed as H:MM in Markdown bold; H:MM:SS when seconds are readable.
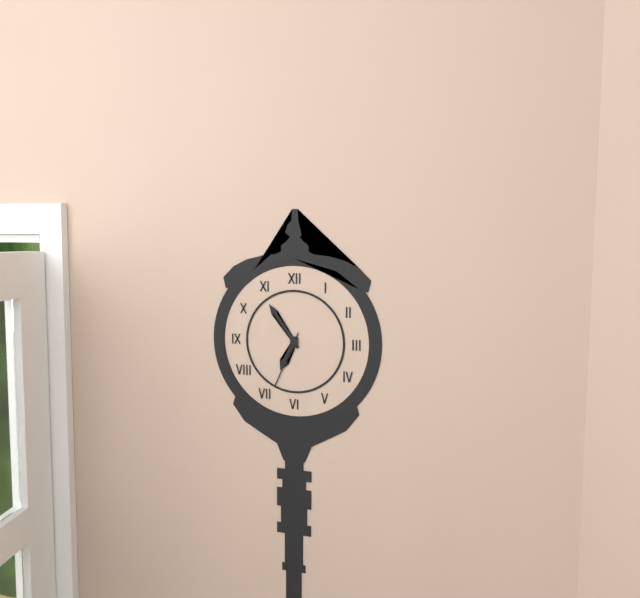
**6:54:34**
